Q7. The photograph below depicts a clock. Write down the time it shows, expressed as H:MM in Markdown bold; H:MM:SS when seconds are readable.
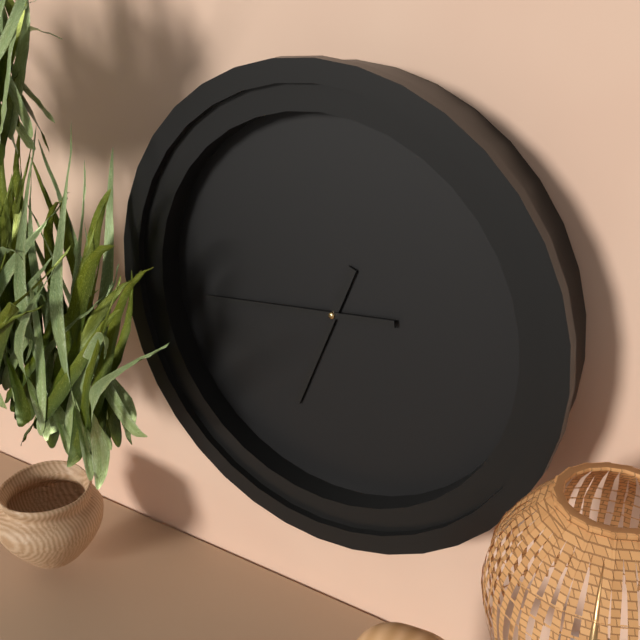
**6:44**
